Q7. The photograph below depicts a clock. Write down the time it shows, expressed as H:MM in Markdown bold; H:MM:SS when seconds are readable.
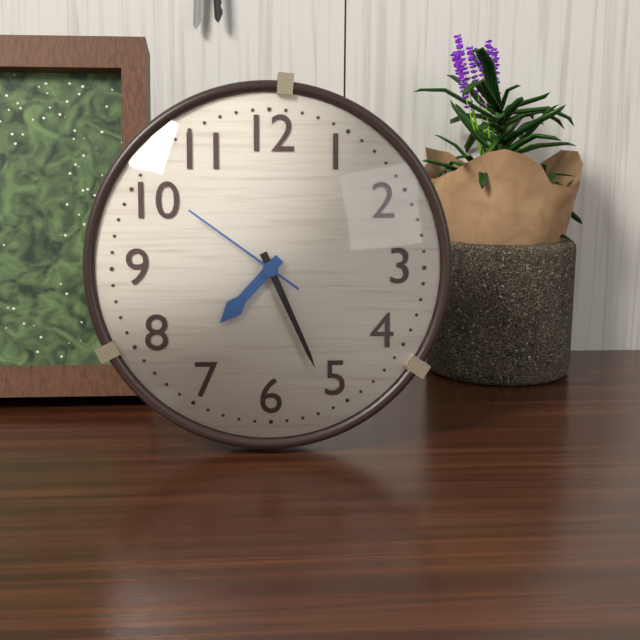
**7:26:51**
